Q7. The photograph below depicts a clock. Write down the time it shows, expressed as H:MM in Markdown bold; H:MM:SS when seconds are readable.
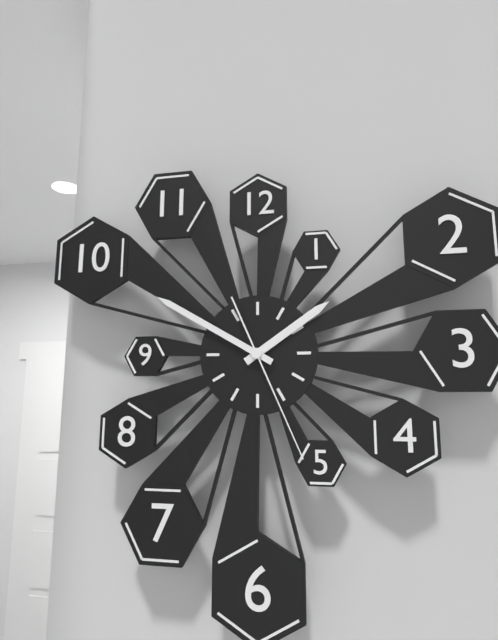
**1:50:26**
